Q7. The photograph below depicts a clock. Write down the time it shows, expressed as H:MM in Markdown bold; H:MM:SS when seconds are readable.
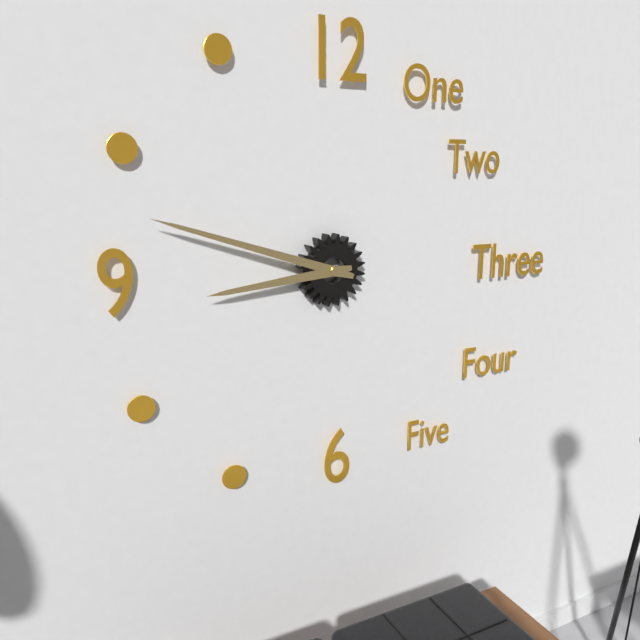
**8:48**
